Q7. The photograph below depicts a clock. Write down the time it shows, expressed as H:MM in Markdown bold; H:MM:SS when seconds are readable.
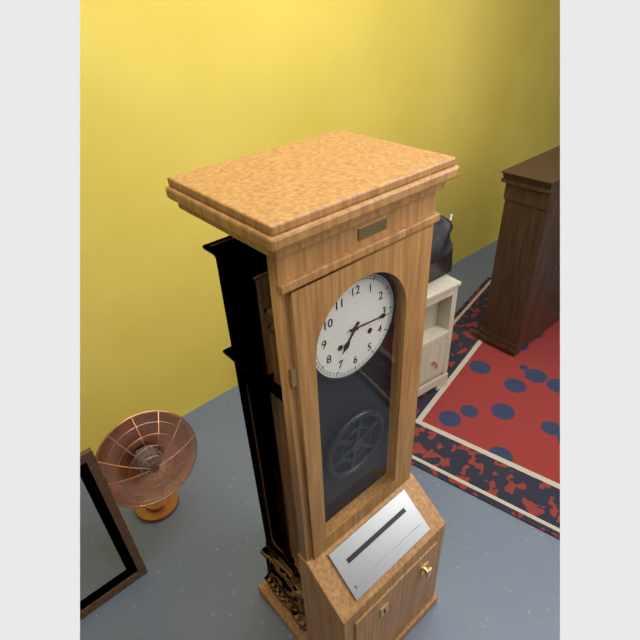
**7:16**
